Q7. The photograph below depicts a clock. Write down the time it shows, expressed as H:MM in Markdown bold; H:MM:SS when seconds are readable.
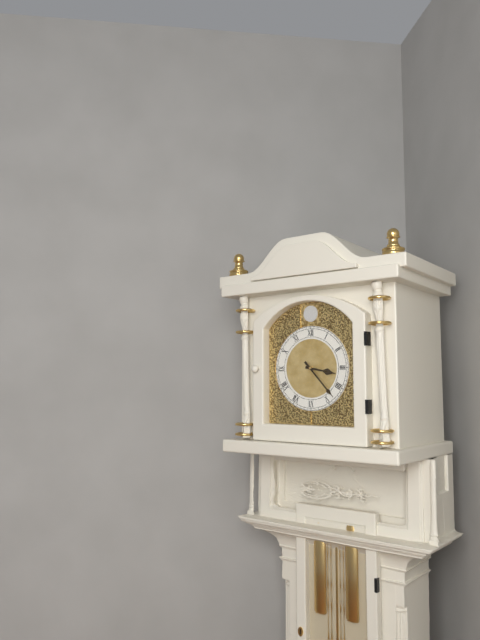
**3:23**
